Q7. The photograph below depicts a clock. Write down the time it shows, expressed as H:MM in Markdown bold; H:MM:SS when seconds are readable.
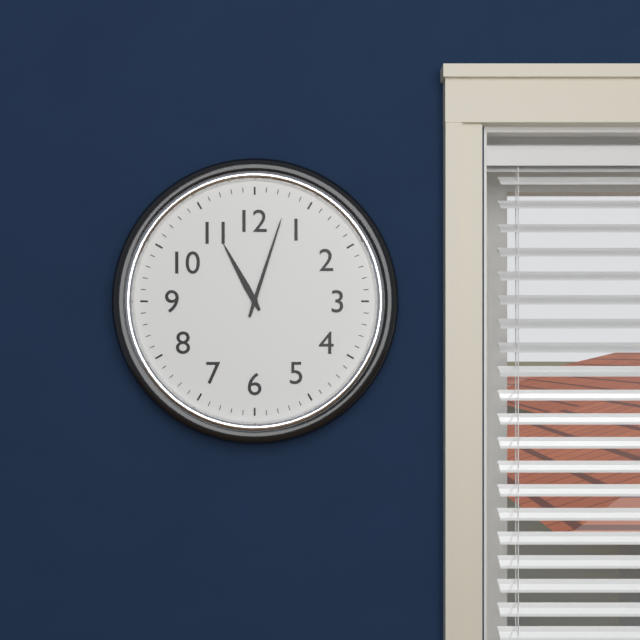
**11:03**
